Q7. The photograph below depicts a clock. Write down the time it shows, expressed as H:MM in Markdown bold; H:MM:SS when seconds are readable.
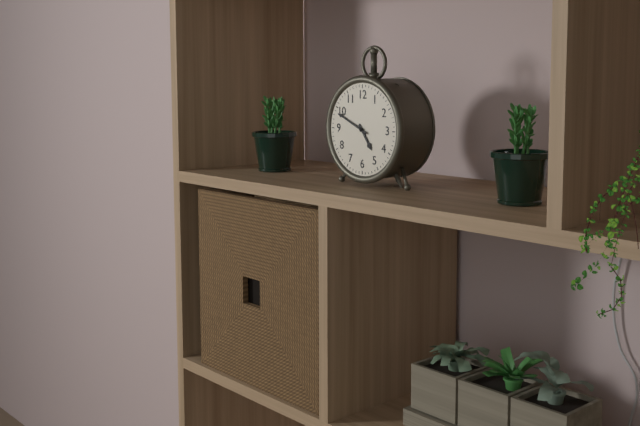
**4:49**
